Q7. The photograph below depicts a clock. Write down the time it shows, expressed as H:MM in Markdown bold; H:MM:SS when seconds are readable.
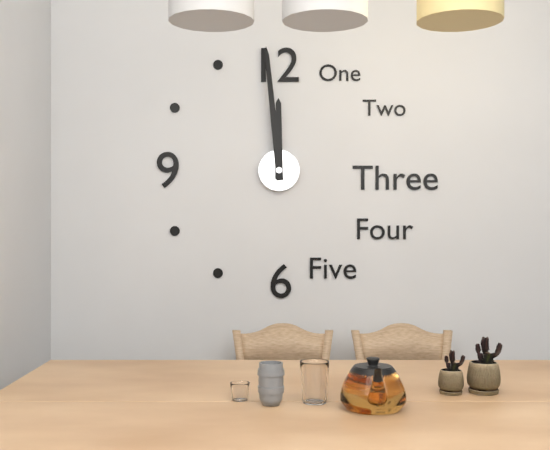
**11:59**
